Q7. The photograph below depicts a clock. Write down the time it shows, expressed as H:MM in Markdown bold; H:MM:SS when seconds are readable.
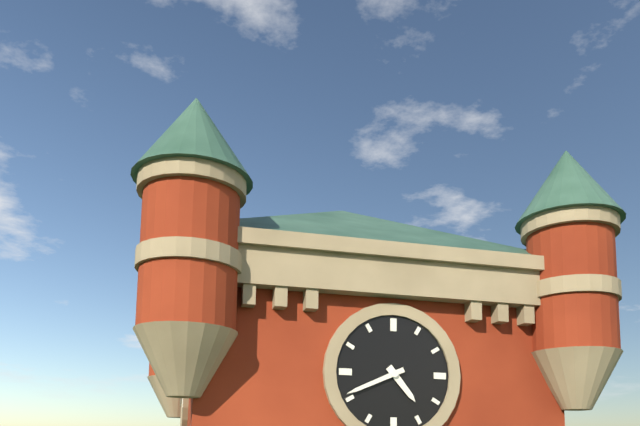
**4:41**
